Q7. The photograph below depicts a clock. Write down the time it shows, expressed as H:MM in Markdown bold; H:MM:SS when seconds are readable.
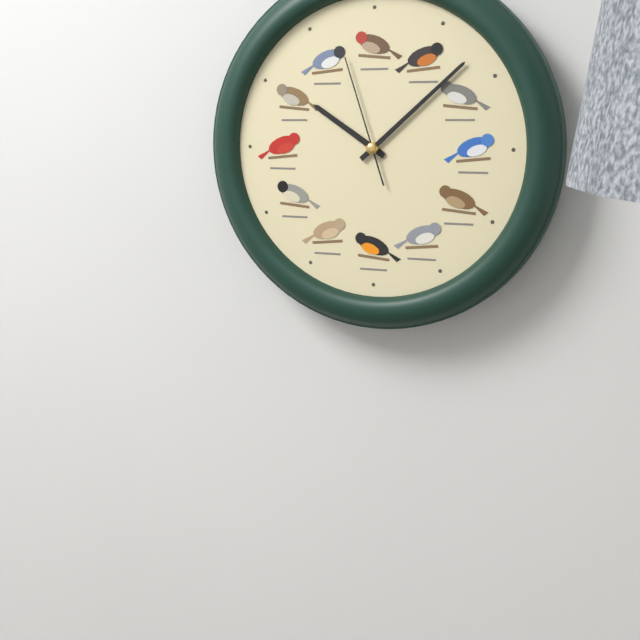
**10:08:57**
